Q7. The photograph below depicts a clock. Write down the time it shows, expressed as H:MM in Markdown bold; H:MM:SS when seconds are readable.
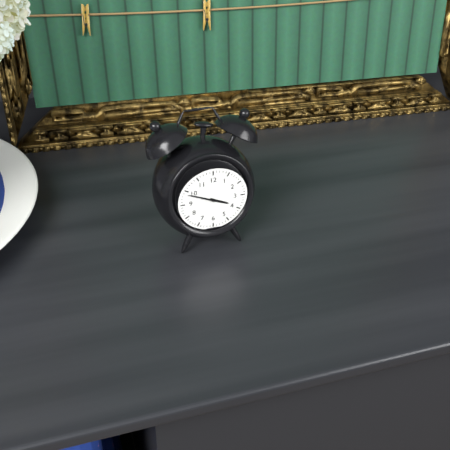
**3:49**
